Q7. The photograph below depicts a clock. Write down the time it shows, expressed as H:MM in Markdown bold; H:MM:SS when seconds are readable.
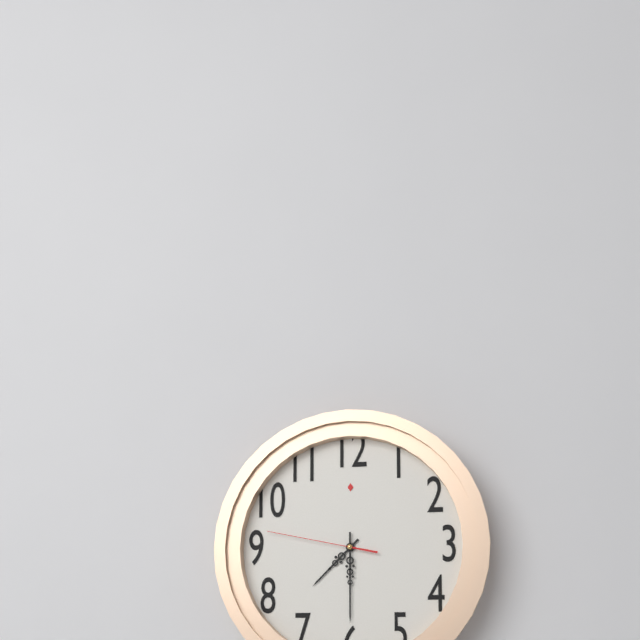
**7:30:47**
